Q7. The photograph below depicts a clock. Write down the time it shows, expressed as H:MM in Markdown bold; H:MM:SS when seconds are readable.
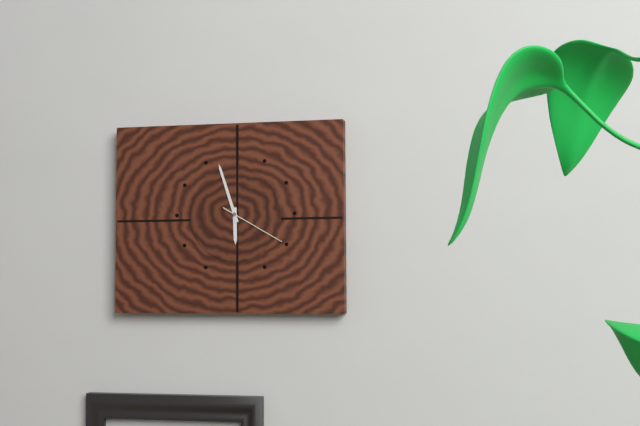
**5:57:20**
